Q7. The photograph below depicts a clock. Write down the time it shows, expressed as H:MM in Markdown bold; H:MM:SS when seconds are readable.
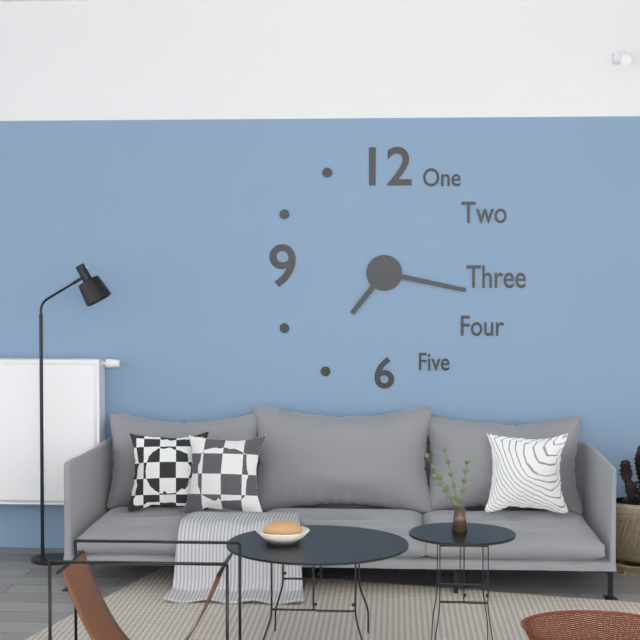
**7:17**
